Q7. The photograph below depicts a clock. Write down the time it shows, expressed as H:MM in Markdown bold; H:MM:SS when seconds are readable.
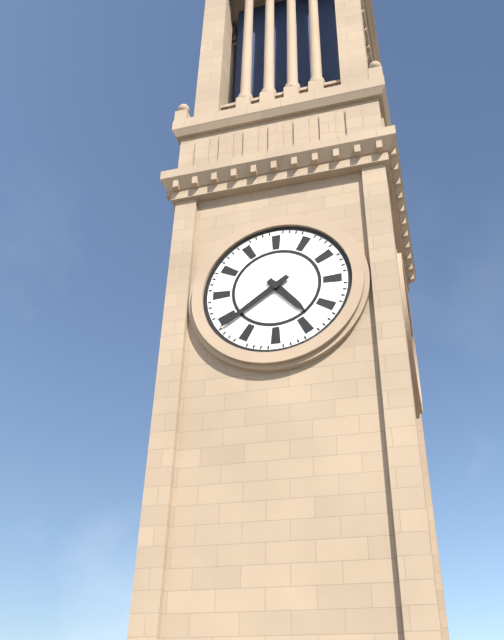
**4:39**
